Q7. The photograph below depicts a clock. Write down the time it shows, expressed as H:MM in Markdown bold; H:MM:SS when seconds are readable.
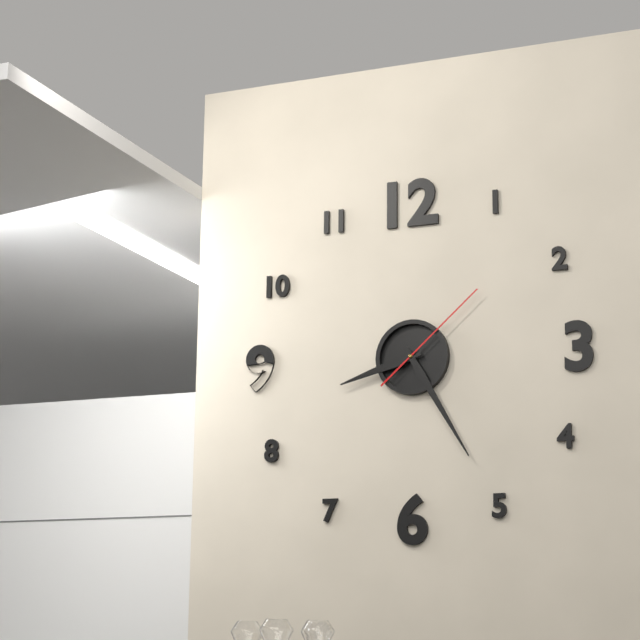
**8:25:08**
